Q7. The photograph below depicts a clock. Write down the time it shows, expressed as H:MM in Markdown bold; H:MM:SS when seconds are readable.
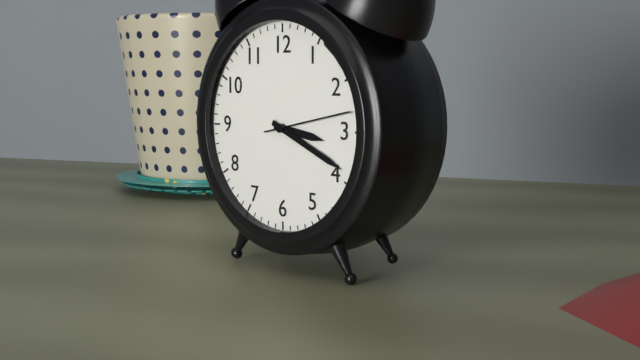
**3:19:13**
